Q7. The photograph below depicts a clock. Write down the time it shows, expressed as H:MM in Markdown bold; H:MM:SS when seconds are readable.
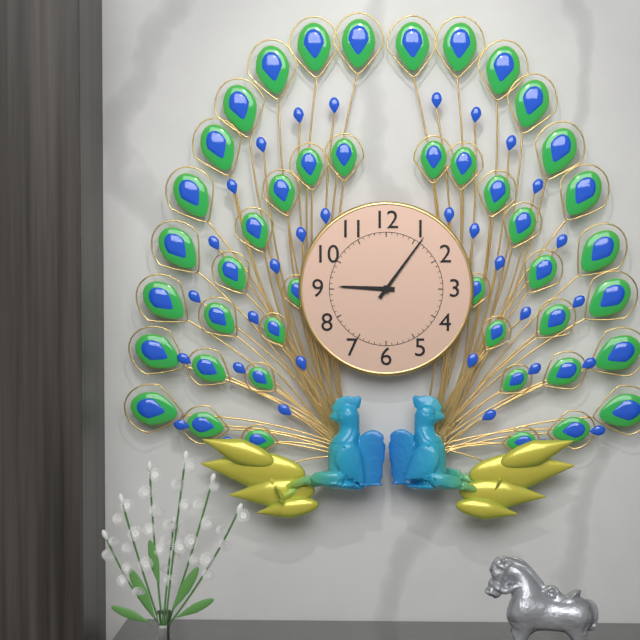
**9:06**
